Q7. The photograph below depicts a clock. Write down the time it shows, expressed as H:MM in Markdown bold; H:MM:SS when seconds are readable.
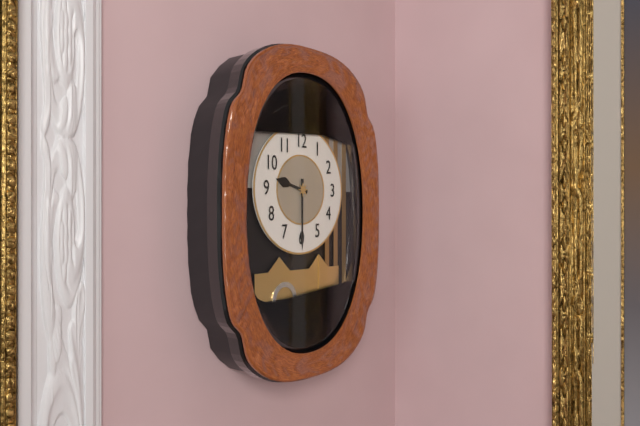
**9:30**
